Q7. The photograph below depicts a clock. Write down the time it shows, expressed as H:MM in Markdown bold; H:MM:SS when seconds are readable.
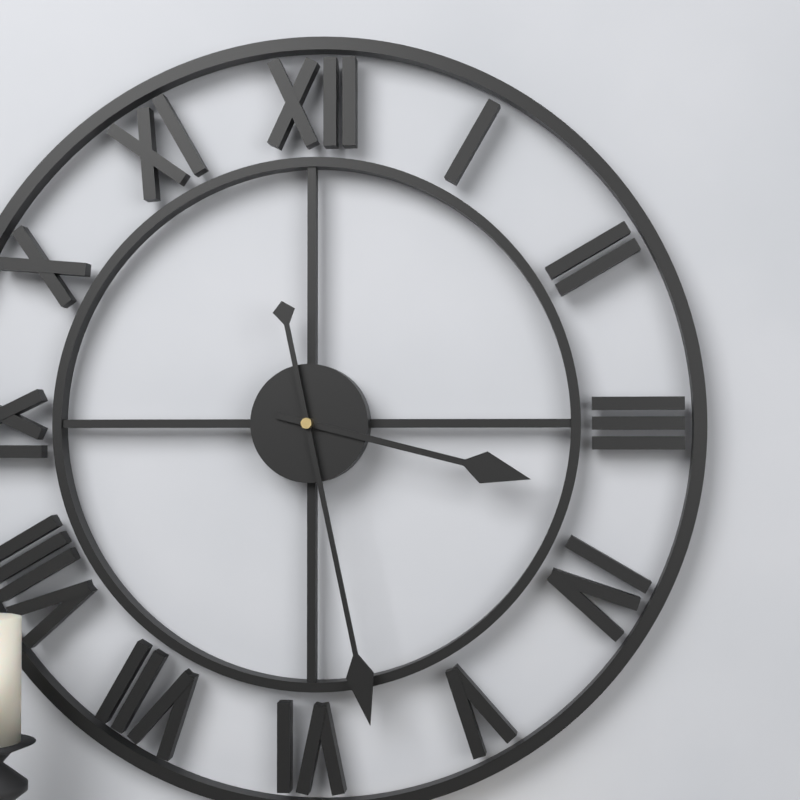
**3:28**
